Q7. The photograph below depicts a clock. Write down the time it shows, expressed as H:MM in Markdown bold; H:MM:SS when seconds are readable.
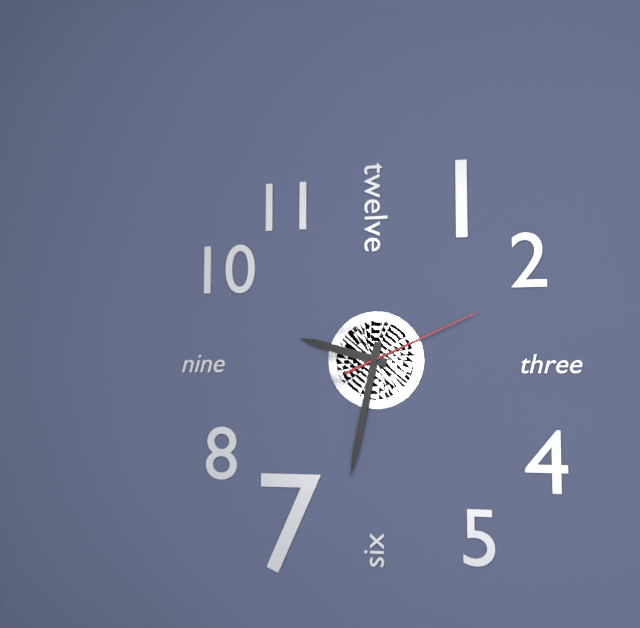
**9:32:11**
